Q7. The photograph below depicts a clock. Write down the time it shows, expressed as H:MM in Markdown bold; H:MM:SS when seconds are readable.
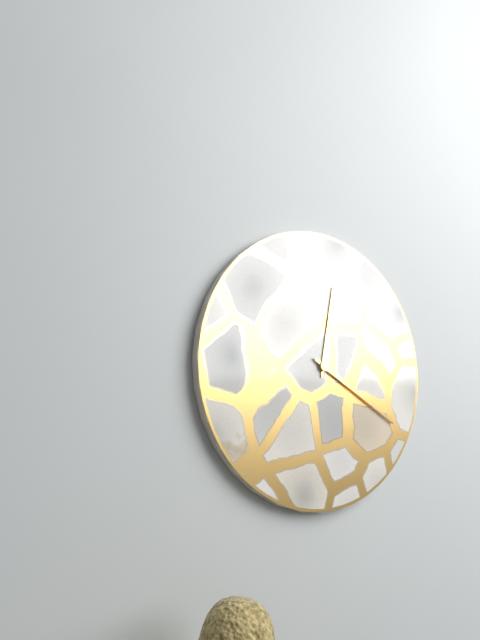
**12:20**
